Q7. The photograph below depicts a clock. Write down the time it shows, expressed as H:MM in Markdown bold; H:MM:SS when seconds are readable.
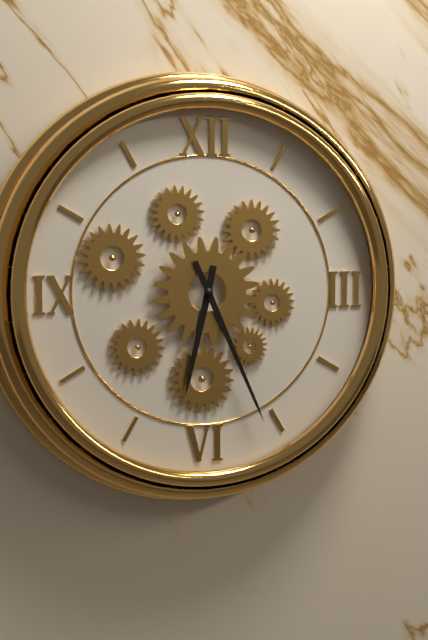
**6:26**
